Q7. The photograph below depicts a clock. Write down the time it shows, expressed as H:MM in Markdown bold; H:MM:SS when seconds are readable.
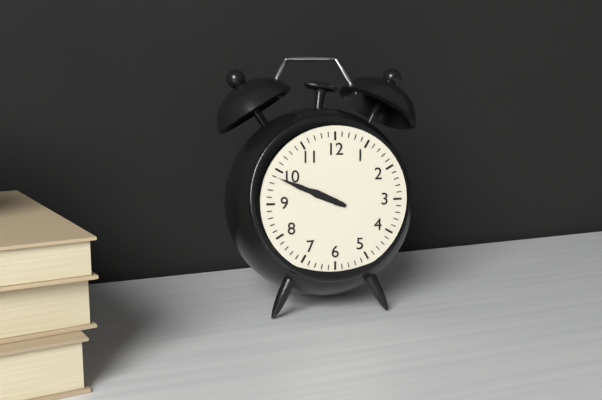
**9:49**
